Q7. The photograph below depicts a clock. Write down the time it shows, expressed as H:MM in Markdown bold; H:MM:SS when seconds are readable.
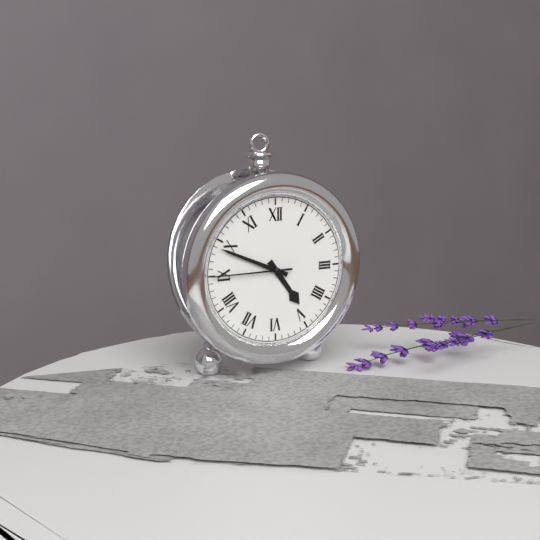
**4:49:45**
